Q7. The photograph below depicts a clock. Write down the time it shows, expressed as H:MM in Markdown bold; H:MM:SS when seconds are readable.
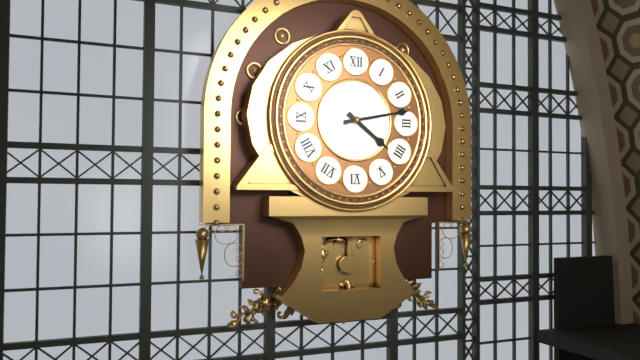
**4:13**
